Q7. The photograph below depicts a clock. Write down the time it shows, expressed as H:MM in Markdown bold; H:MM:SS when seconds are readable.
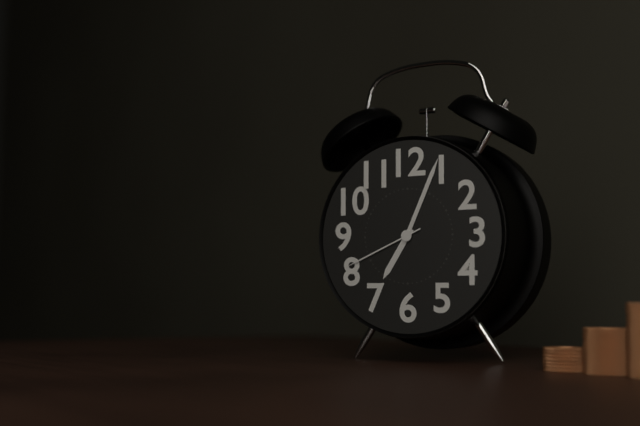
**7:04:41**
